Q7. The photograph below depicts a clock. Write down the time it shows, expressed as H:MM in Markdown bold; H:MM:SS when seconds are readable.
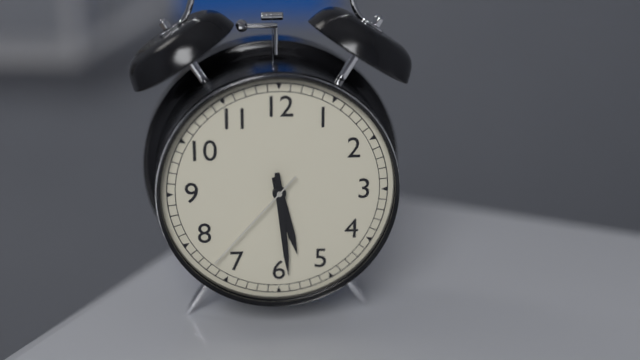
**5:29:37**
